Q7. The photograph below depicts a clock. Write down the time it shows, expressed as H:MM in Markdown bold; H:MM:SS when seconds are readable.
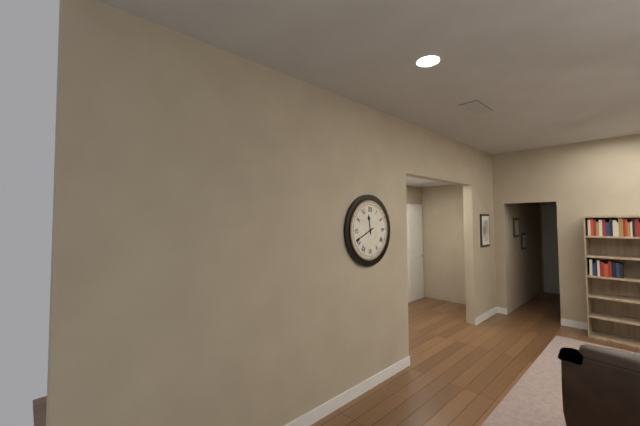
**11:41**
